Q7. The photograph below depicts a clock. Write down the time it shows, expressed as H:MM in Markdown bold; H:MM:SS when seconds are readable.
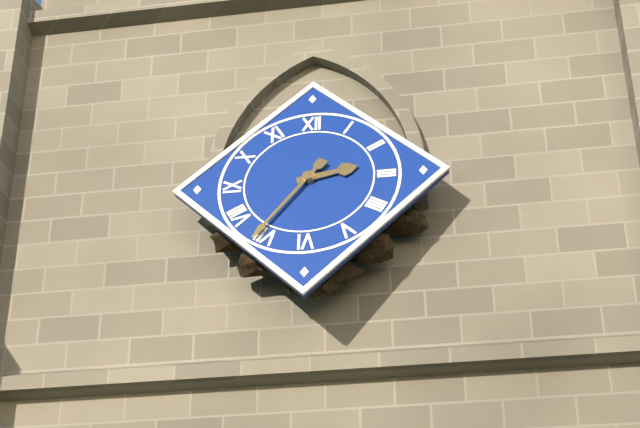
**2:36**
